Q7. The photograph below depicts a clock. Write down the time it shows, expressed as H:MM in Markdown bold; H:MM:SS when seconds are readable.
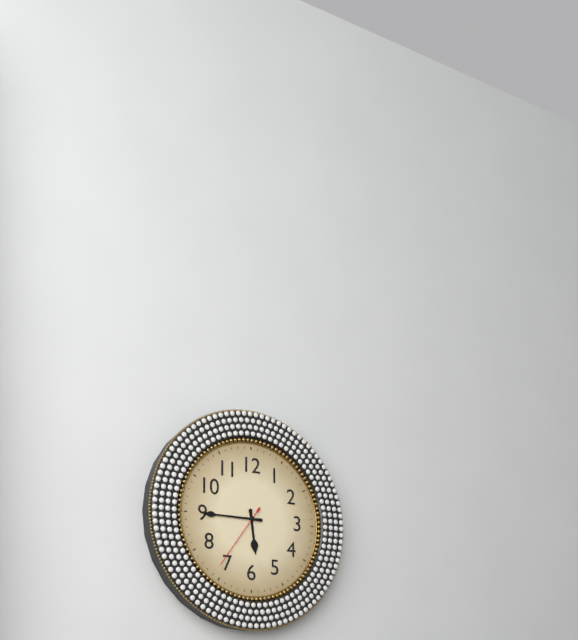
**5:45:36**
